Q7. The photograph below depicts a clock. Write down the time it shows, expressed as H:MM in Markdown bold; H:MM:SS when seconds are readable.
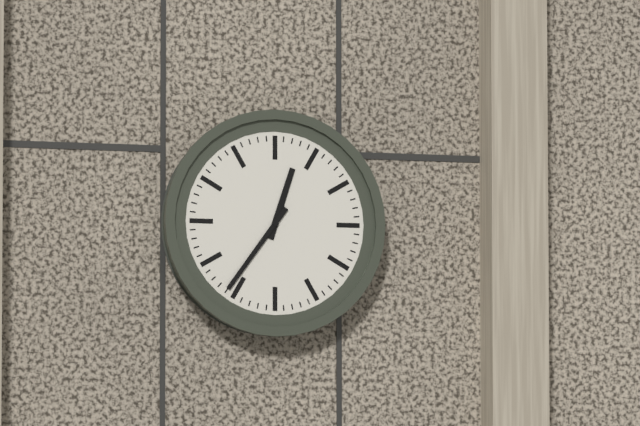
**12:36**
